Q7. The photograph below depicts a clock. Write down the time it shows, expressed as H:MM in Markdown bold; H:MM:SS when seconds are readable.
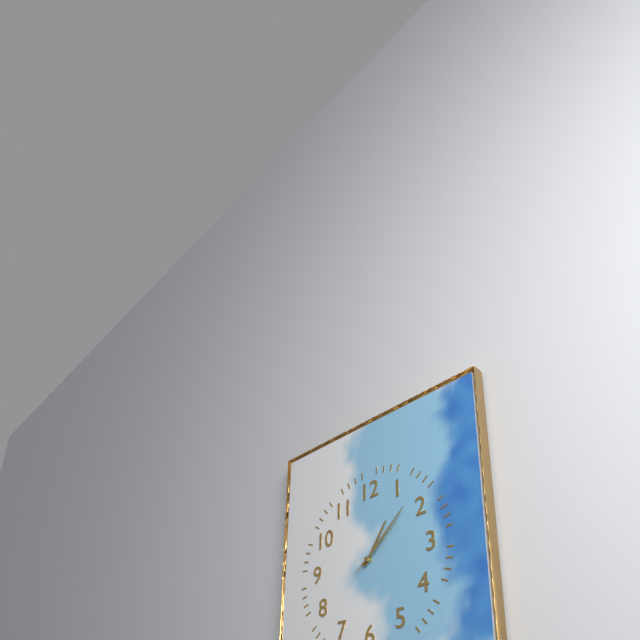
**1:08:09**
